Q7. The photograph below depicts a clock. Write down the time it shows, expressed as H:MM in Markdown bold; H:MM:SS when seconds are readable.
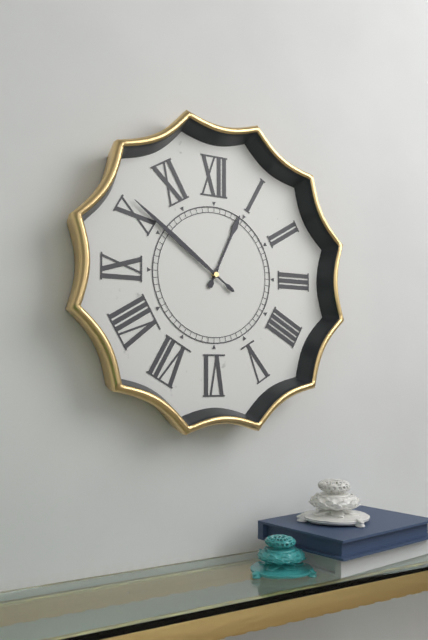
**12:51**
